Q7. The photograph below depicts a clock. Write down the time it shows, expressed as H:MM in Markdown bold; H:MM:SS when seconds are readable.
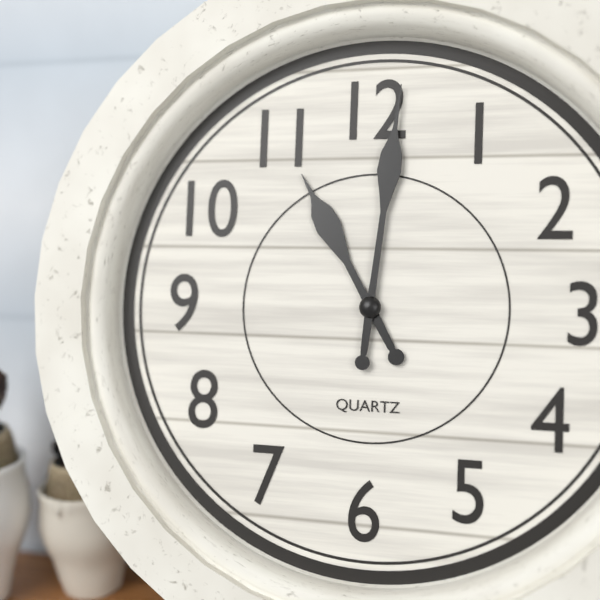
**11:01**
